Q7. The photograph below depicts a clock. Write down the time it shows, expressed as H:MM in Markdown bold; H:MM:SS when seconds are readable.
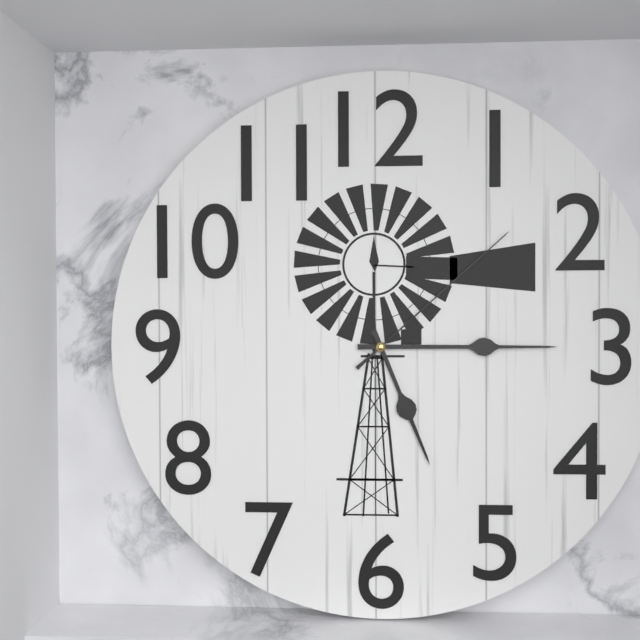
**5:15:08**
